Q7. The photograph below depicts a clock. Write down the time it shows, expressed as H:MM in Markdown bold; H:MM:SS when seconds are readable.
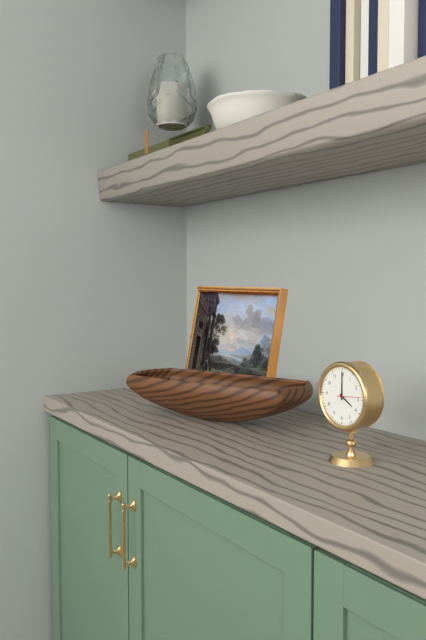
**4:00**
